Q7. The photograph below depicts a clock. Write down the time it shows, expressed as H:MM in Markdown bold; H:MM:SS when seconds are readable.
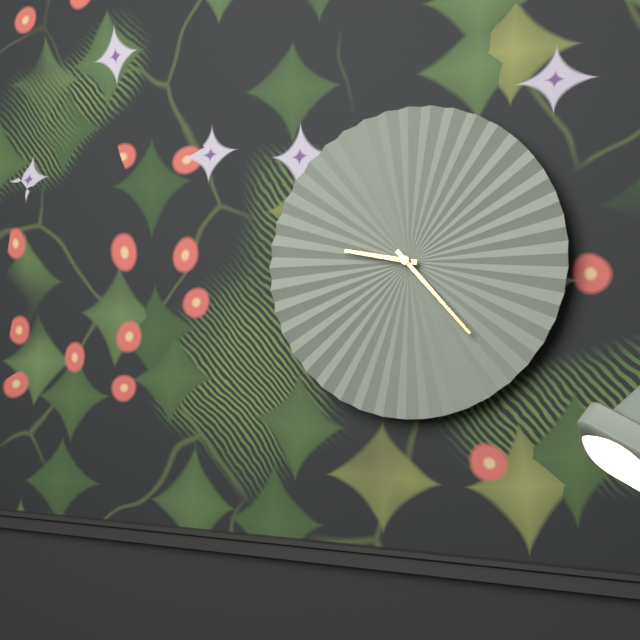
**9:23**
